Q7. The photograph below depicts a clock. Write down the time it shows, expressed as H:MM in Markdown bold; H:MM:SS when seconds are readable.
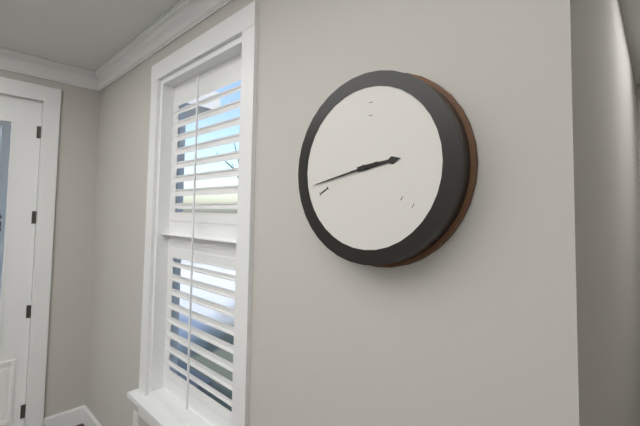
**2:43**
